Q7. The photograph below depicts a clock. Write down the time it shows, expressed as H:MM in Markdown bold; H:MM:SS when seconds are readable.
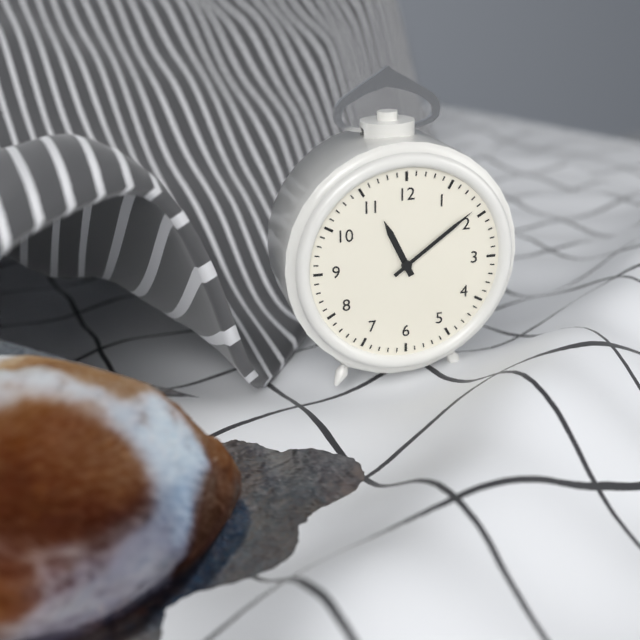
**11:09**
